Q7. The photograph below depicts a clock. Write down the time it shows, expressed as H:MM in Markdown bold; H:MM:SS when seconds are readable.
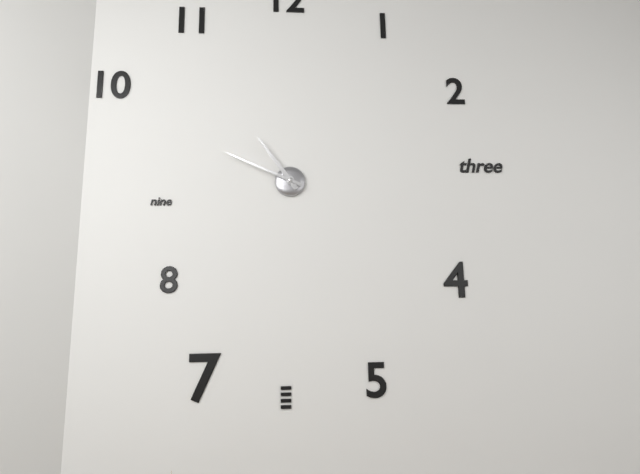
**10:49**
